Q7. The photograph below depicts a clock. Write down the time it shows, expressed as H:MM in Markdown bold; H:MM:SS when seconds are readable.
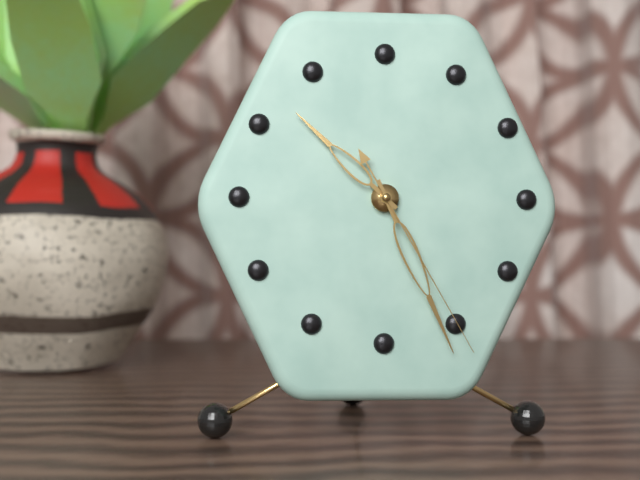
**10:26:25**
